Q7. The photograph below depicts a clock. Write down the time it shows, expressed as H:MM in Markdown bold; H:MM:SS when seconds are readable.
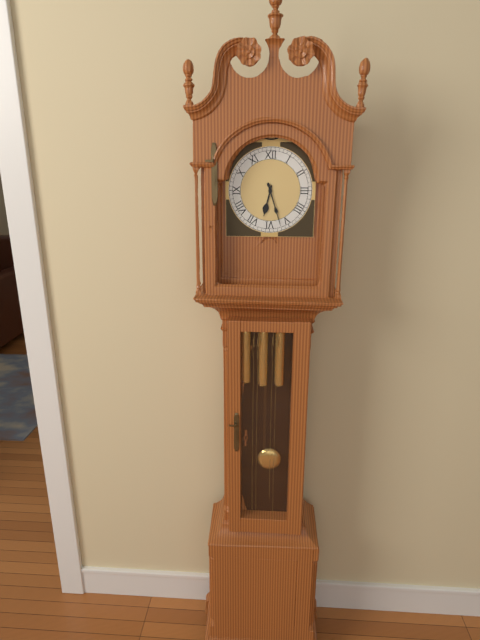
**6:27**
